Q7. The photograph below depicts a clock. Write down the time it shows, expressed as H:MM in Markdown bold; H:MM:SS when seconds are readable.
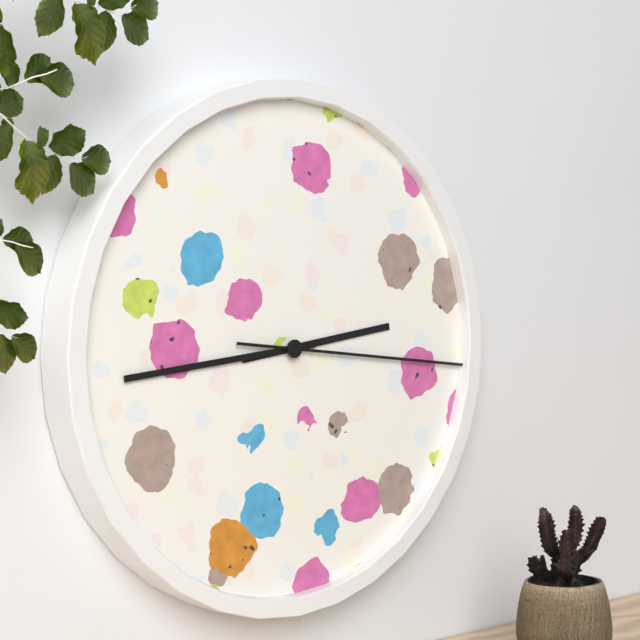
**2:44:16**
